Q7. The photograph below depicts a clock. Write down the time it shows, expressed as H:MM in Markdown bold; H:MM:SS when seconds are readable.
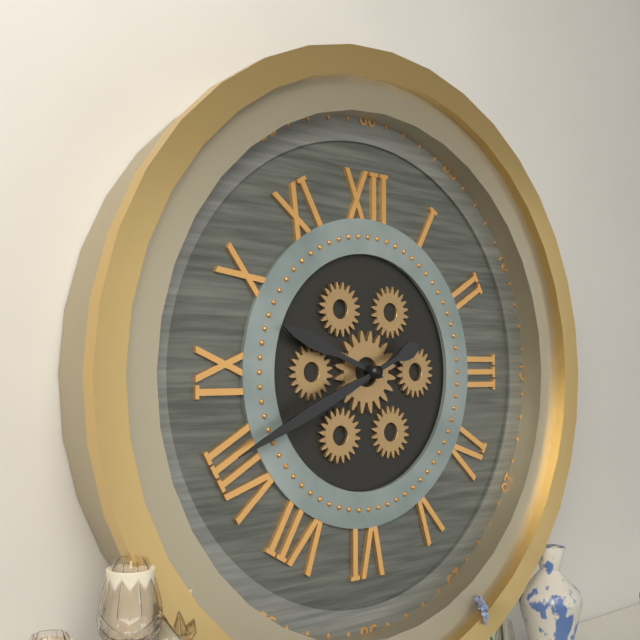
**9:41**
